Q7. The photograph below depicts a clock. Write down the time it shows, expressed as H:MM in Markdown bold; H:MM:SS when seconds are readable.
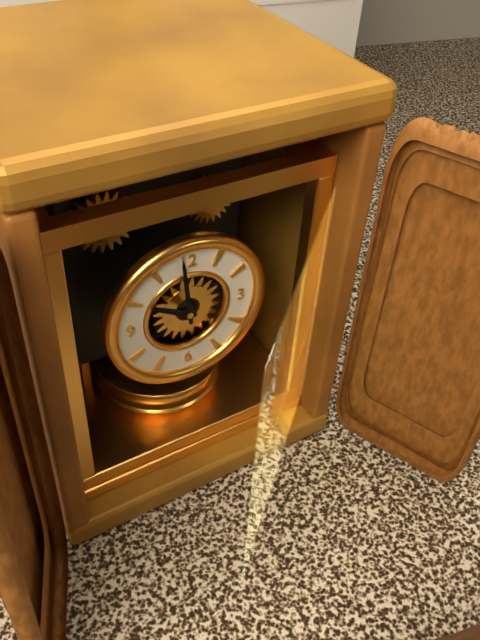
**9:59**
